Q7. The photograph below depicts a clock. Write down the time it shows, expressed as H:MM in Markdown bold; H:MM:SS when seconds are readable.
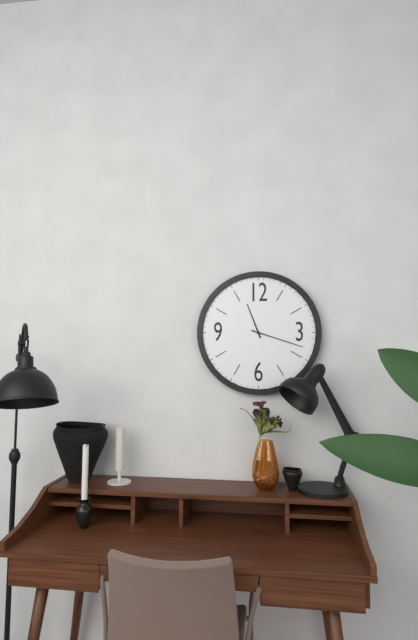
**11:18**
